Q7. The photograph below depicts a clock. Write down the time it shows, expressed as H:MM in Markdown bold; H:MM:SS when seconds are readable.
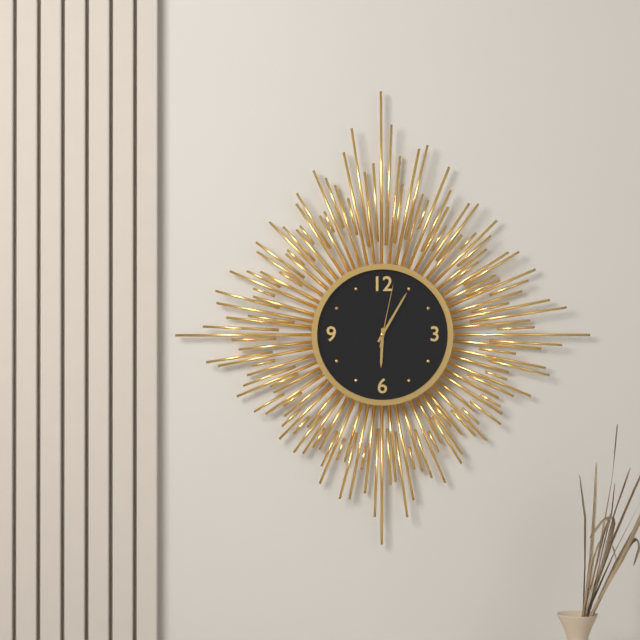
**6:05:02**
